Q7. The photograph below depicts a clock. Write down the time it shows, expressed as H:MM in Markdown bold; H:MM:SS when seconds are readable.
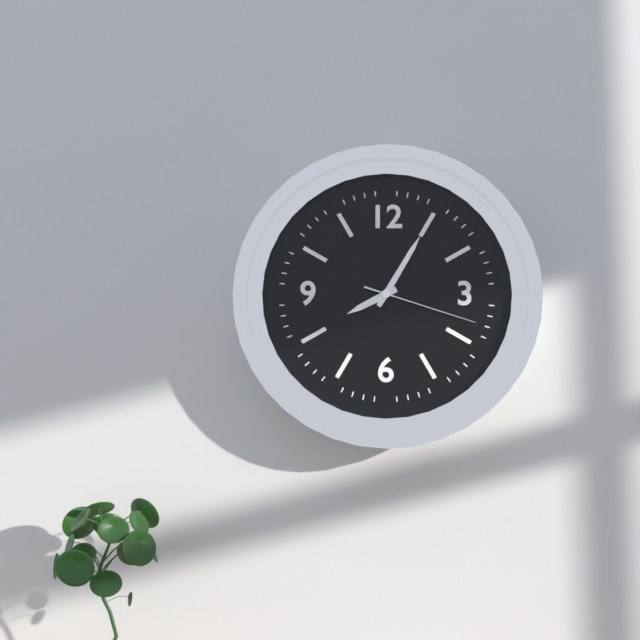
**8:05:18**
